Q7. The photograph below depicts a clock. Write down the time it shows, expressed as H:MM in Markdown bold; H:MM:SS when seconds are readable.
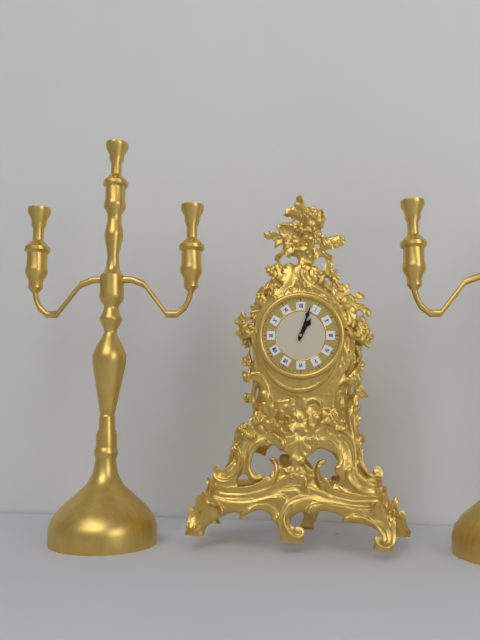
**1:03**
